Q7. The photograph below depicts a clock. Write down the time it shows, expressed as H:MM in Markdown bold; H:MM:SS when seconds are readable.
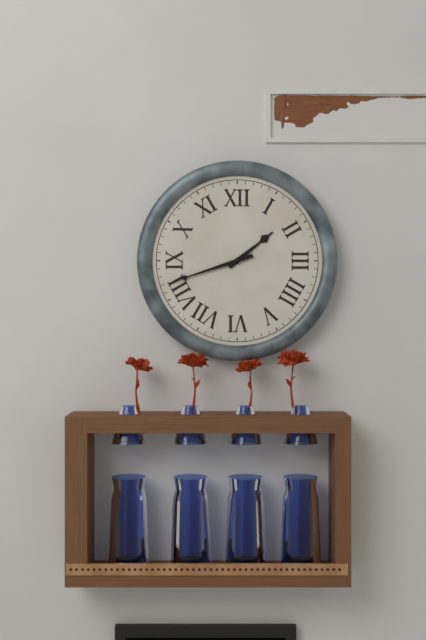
**1:42**
